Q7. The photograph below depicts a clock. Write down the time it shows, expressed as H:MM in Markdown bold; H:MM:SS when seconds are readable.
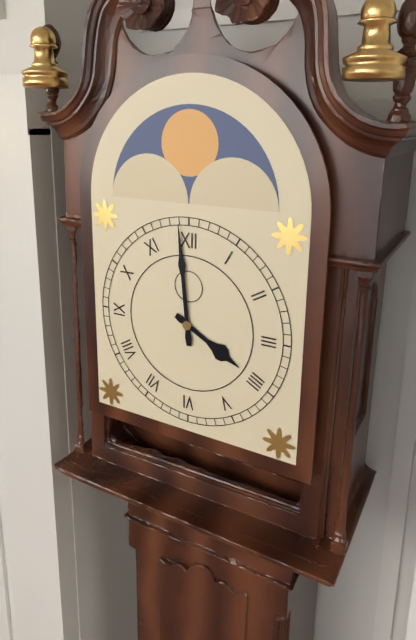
**3:59**
